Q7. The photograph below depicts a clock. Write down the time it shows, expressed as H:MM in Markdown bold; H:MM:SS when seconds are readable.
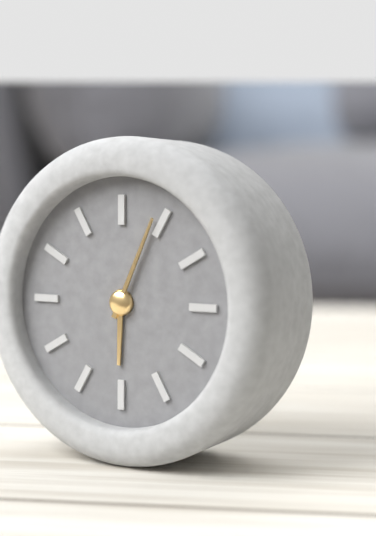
**6:04**
